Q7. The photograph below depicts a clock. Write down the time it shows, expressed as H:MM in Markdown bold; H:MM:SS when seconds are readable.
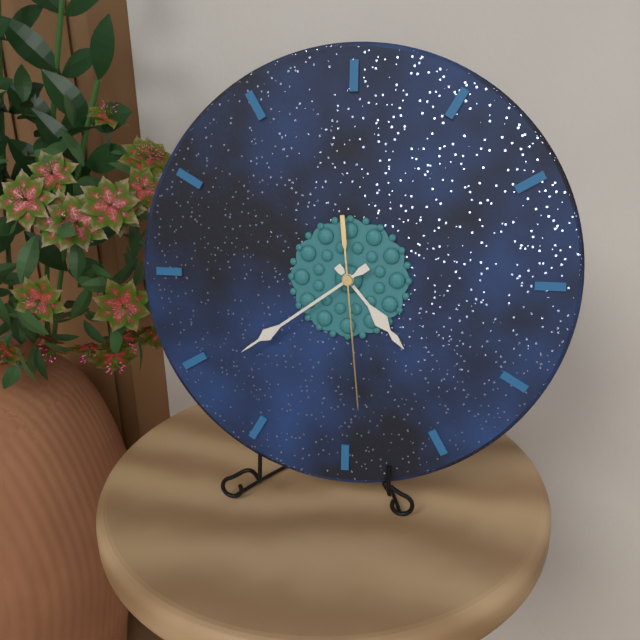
**4:39:29**
